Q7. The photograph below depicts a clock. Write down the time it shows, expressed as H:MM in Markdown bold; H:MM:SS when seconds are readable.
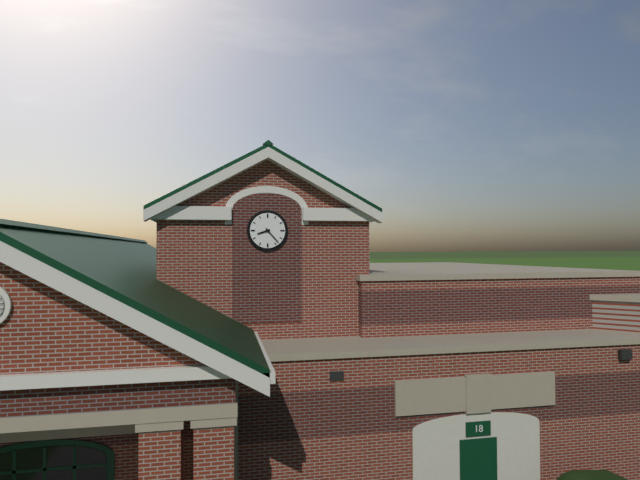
**8:23**
